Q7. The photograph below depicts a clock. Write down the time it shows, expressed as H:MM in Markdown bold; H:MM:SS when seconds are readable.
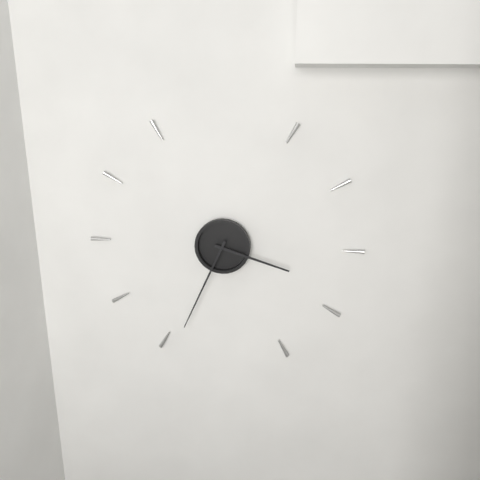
**3:34**
